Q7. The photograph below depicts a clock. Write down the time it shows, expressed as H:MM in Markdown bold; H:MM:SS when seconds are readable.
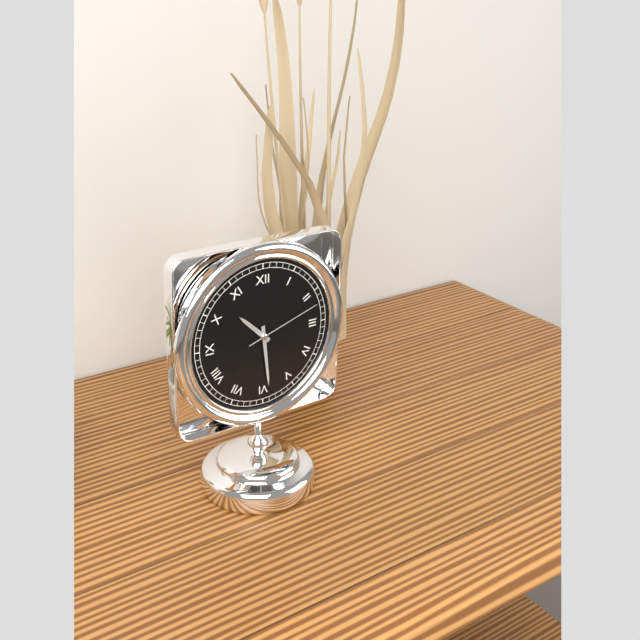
**10:29:12**
